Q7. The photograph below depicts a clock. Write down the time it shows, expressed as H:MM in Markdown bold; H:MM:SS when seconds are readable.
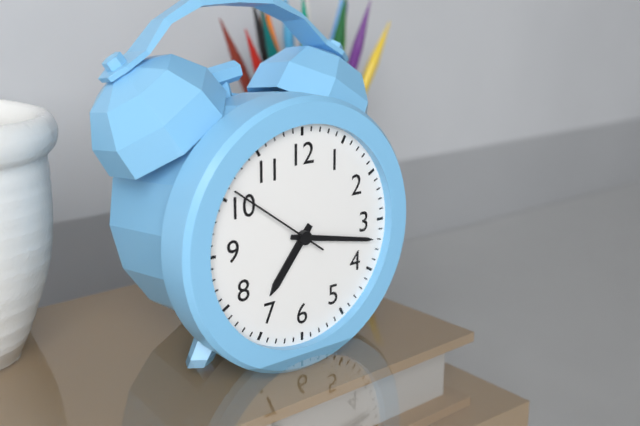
**7:17:51**
